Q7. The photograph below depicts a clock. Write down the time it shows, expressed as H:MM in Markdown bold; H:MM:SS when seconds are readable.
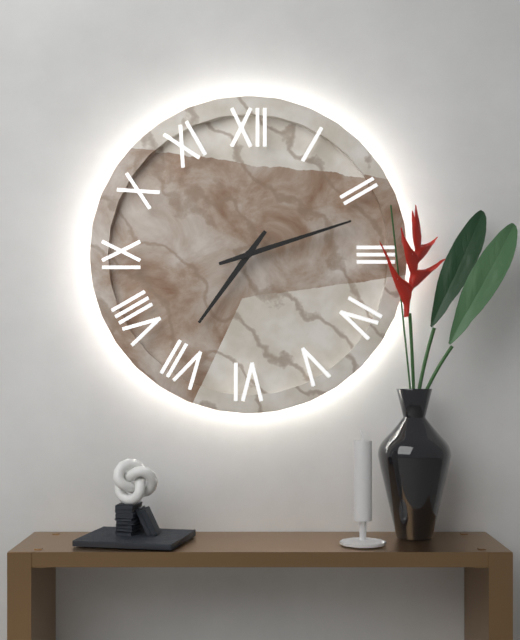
**7:12**
